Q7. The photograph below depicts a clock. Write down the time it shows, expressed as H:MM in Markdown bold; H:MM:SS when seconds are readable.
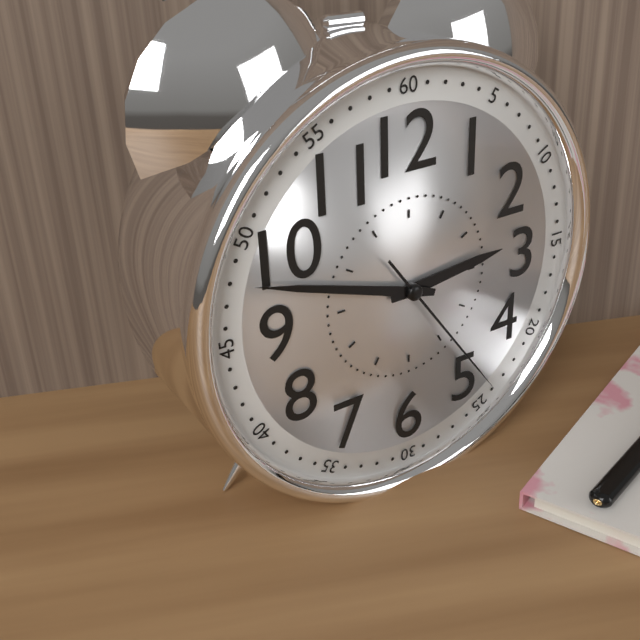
**2:48:24**
